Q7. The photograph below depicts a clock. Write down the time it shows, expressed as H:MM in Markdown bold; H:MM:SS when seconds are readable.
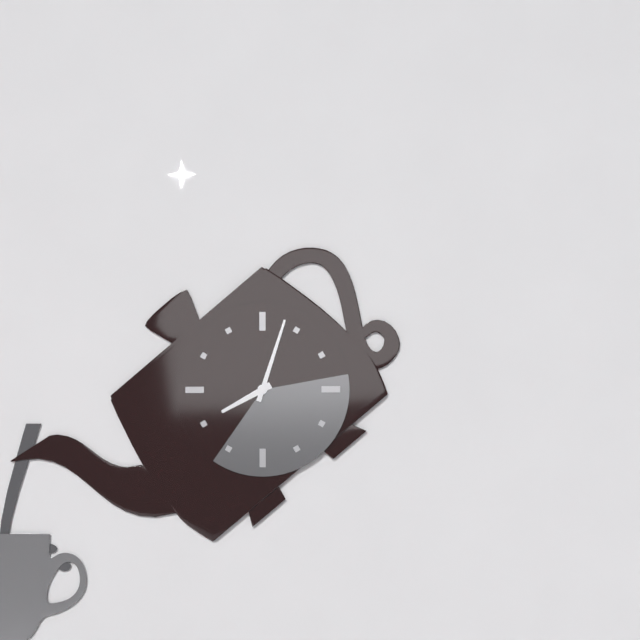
**8:03**
